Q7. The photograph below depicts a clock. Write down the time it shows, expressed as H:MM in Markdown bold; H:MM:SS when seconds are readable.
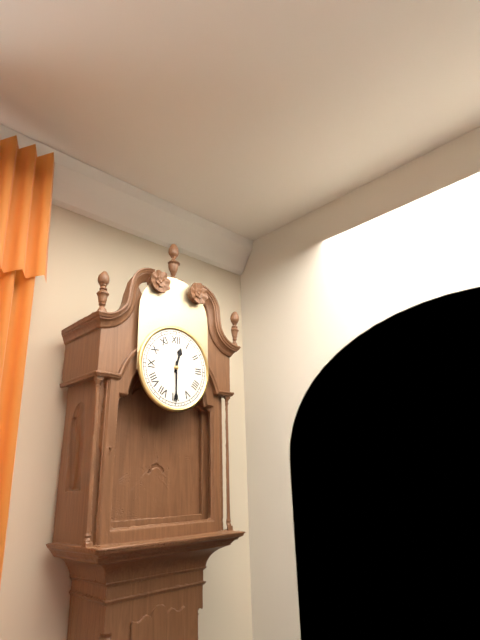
**12:30**
